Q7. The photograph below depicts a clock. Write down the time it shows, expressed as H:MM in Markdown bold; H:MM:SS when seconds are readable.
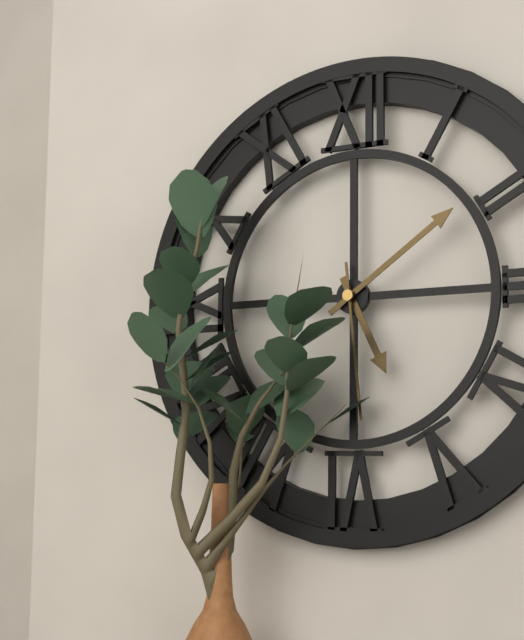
**5:09:29**
